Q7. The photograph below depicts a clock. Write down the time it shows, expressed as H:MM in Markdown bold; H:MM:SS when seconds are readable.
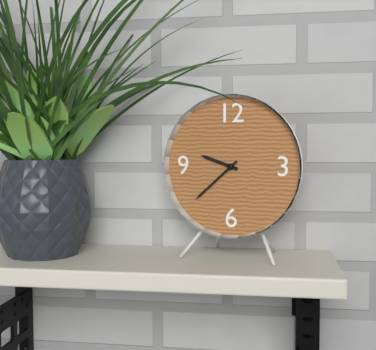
**9:38**
